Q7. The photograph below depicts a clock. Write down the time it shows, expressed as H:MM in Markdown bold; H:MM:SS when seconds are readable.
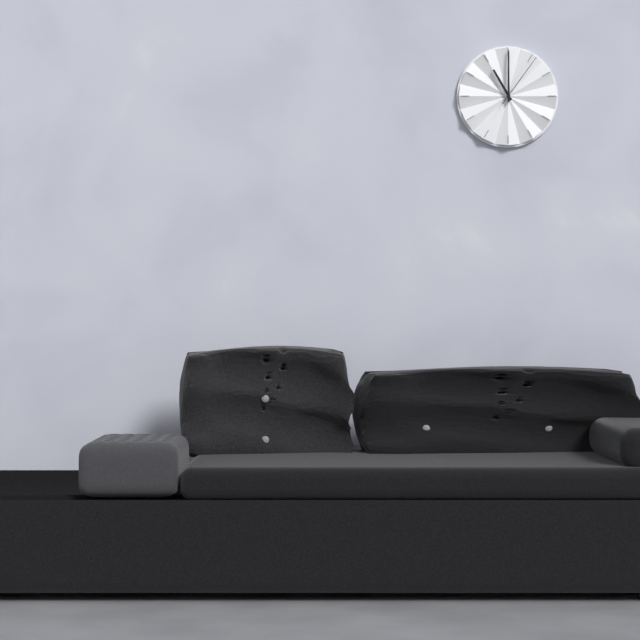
**11:00:06**
